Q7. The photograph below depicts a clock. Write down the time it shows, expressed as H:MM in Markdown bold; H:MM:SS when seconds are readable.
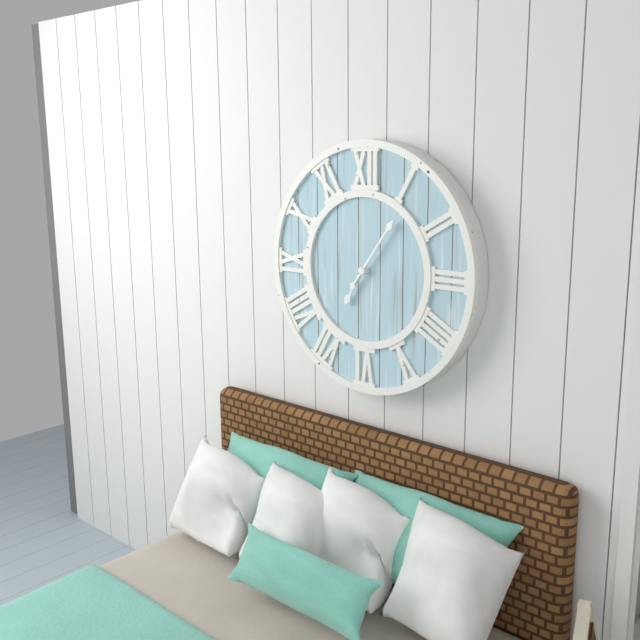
**7:06**
